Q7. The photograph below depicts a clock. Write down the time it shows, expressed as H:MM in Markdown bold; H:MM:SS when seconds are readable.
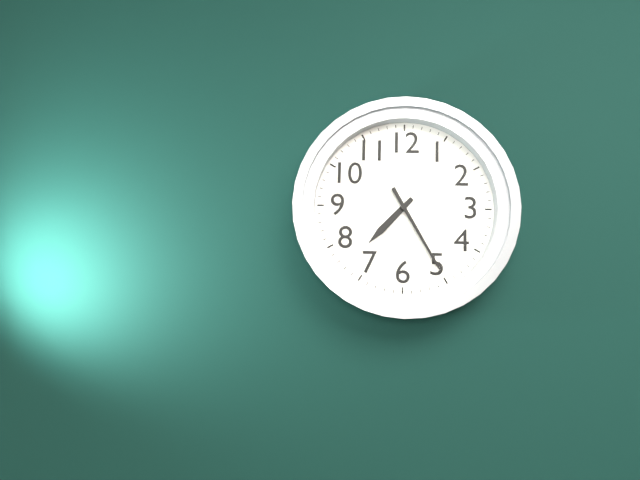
**7:25**
